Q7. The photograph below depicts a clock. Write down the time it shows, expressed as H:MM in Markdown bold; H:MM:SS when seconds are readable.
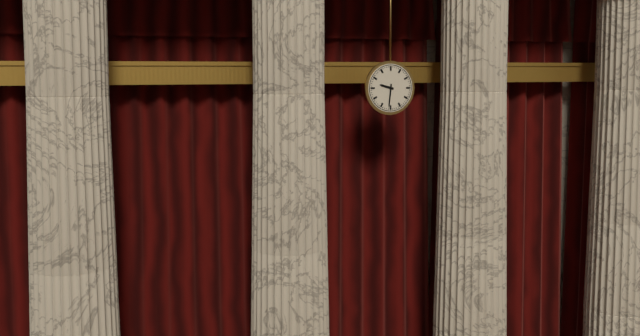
**9:31**
